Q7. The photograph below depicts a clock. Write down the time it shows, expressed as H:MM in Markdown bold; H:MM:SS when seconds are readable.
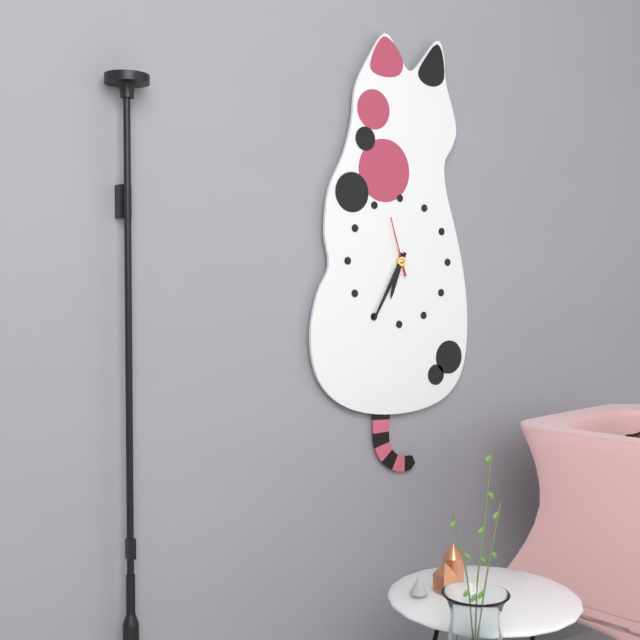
**6:35:57**
